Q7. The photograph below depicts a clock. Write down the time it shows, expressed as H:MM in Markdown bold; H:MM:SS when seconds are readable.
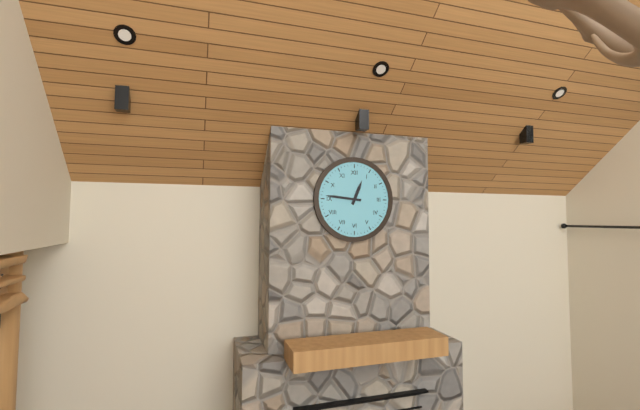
**12:46**
